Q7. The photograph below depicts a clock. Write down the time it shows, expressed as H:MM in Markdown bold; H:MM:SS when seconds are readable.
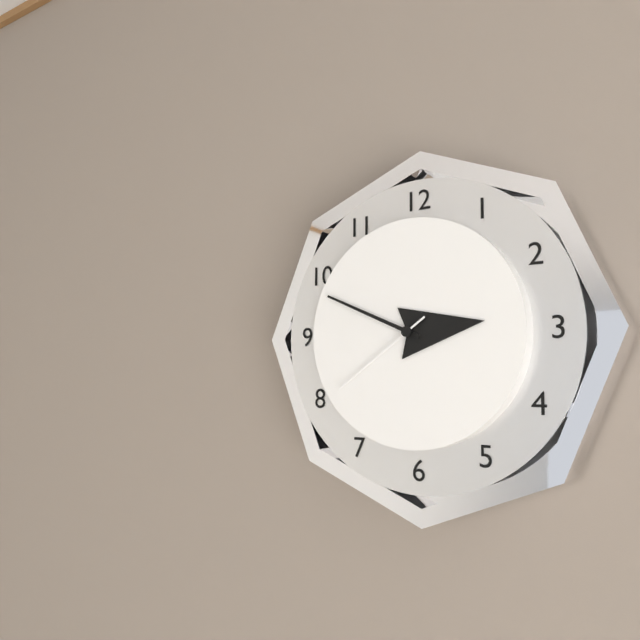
**2:49:39**
